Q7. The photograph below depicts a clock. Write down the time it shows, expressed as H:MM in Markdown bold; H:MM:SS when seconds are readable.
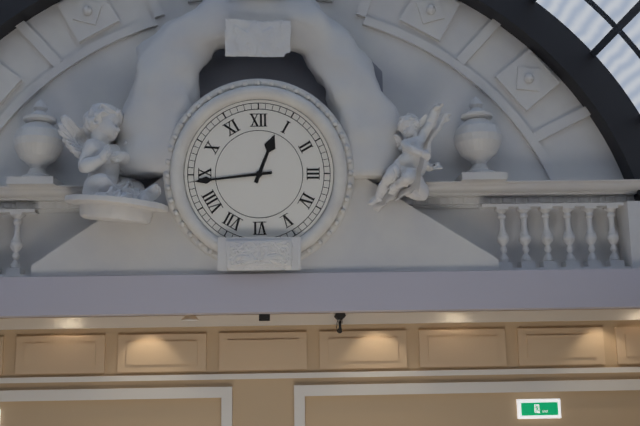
**12:44**
